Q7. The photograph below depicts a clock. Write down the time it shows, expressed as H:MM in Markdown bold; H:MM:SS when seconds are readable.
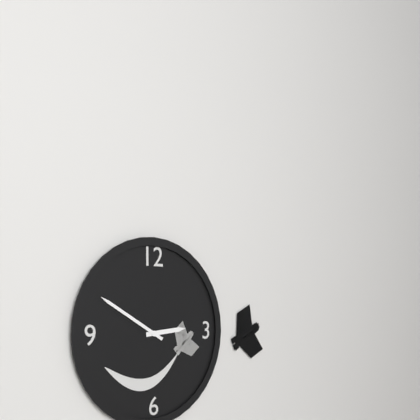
**2:50**
